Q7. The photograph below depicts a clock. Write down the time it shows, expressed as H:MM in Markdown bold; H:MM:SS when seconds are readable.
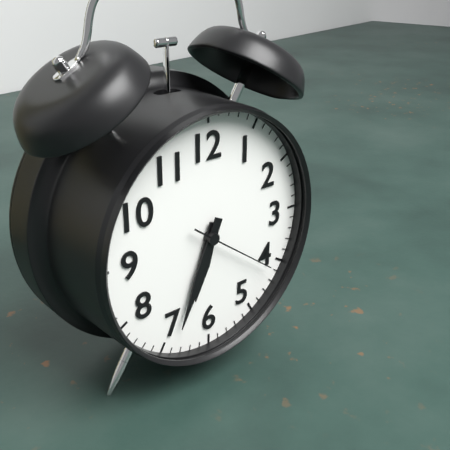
**6:34:21**
